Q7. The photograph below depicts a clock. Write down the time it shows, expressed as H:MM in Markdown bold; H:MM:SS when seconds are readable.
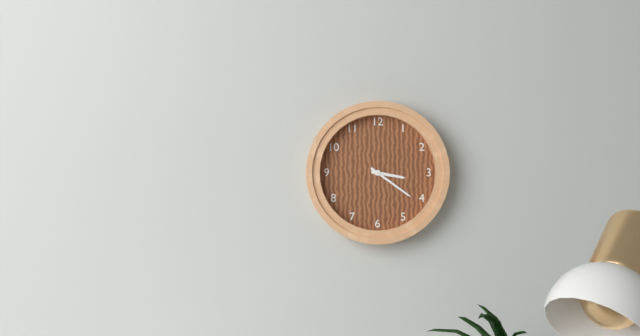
**3:21**
